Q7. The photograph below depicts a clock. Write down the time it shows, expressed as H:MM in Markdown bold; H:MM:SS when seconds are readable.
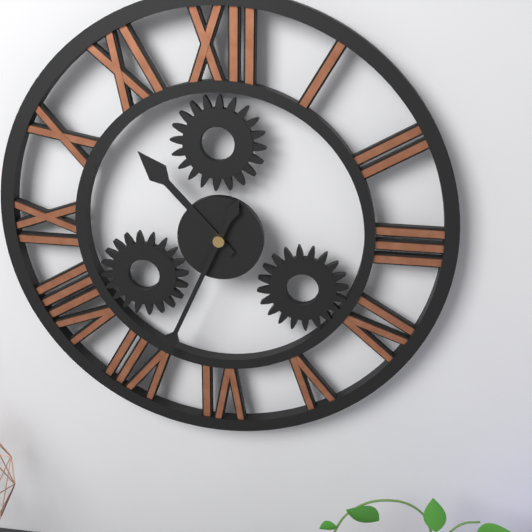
**10:34**
